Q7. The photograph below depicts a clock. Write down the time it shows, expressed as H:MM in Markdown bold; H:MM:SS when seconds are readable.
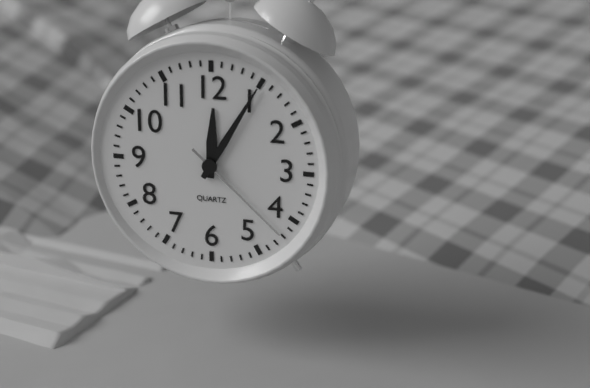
**12:05:22**
